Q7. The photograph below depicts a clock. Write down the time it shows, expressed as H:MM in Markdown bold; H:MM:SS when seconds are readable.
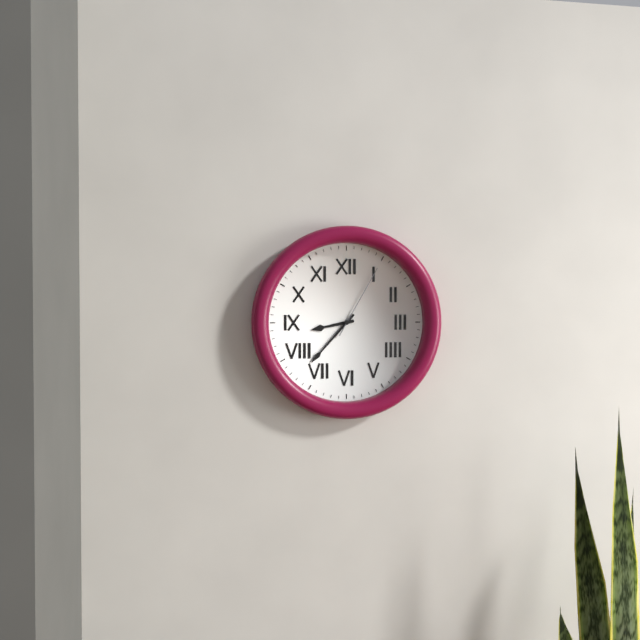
**8:37:05**
